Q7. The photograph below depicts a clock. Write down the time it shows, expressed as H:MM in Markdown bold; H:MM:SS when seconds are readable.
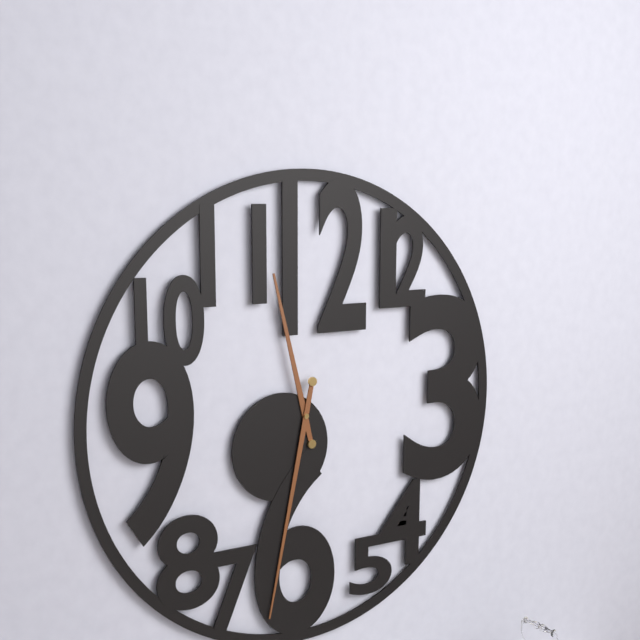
**11:32**
